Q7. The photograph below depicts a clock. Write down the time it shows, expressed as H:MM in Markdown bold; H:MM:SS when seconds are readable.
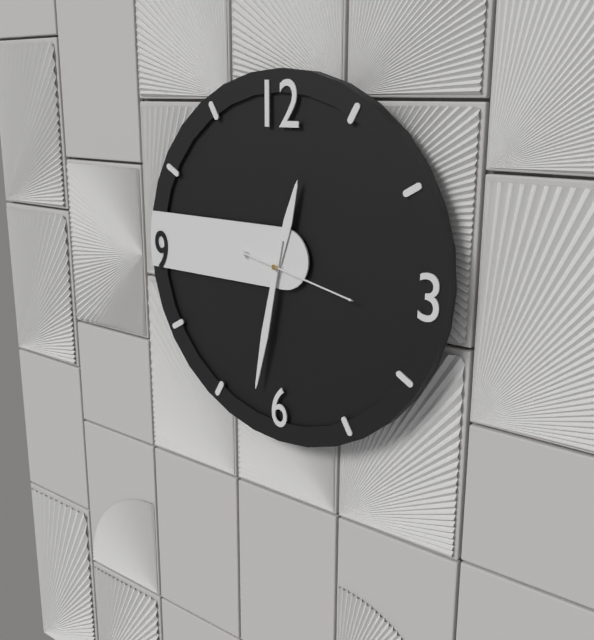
**12:32:17**
